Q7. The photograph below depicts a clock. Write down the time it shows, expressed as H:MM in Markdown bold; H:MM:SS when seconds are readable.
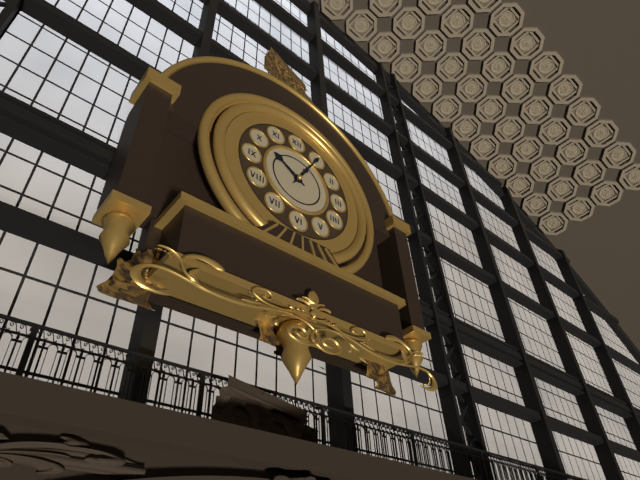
**10:05**
